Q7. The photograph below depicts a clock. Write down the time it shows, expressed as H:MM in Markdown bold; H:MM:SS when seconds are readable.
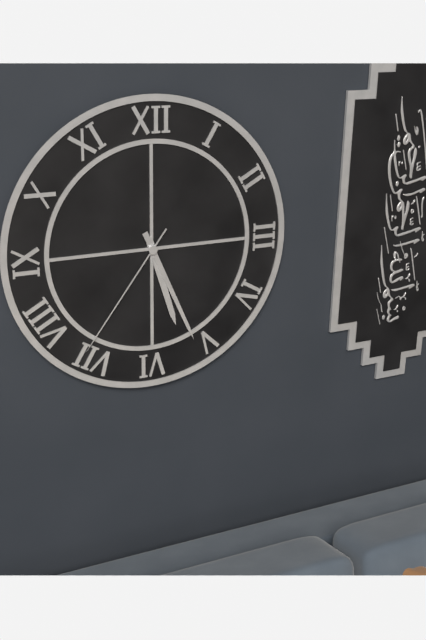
**5:26:36**
